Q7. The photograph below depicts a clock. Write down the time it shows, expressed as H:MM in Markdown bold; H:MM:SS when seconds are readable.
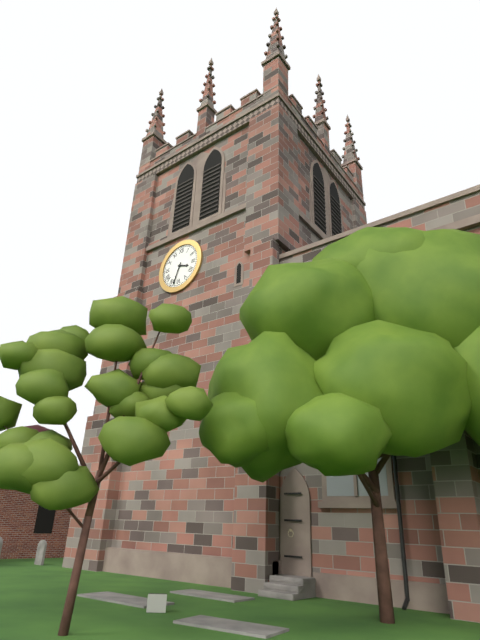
**3:33**
